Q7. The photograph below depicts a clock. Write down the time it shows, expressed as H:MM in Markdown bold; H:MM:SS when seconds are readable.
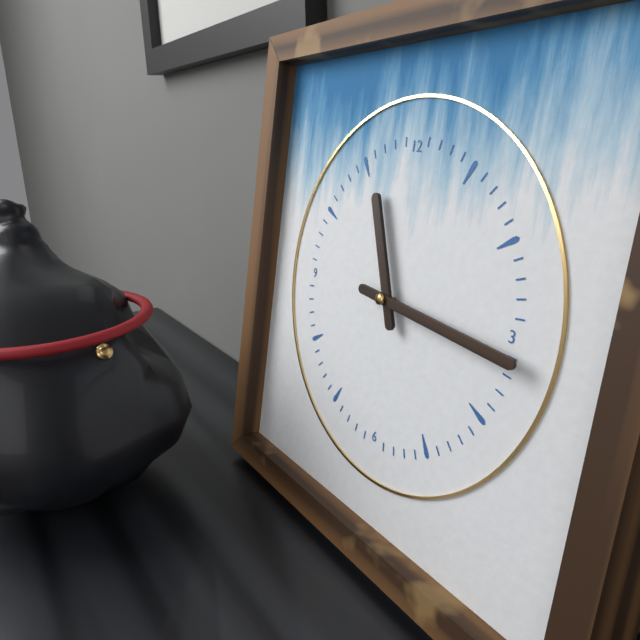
**11:16**
